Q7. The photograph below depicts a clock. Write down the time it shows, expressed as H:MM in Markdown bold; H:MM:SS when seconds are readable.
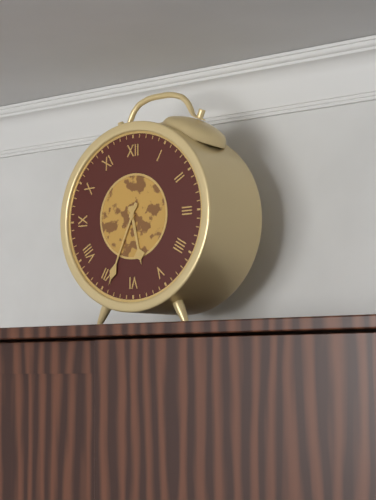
**5:34**
